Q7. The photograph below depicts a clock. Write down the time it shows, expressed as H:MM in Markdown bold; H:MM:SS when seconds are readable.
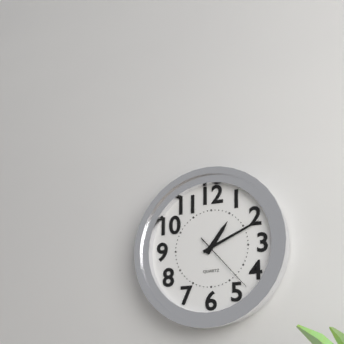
**1:11:23**
